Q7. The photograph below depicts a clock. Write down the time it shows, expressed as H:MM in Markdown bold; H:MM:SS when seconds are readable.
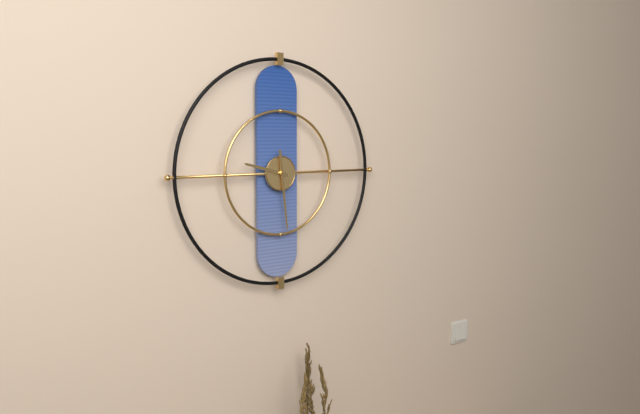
**9:29**
